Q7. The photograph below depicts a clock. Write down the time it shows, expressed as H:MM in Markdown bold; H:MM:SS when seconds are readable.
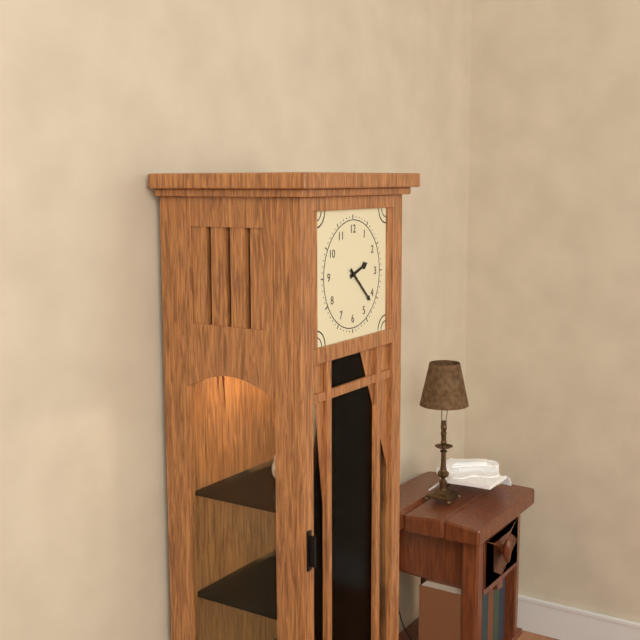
**2:22**
